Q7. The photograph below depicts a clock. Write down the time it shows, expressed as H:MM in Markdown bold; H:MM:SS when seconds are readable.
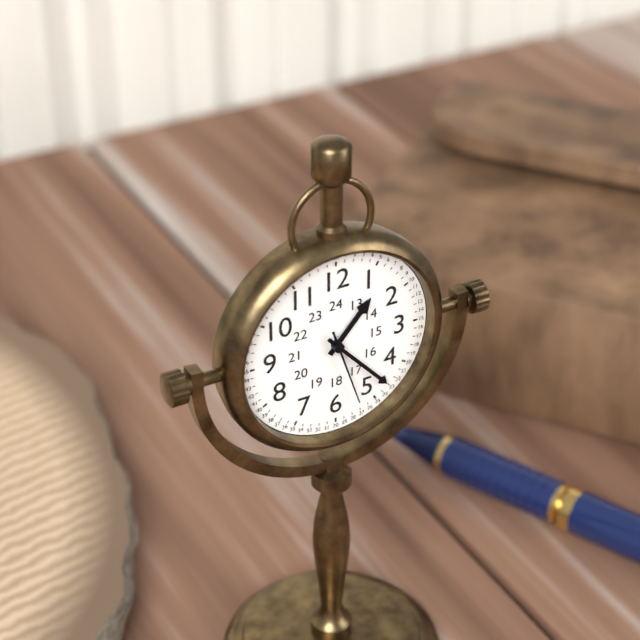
**1:23:27**
